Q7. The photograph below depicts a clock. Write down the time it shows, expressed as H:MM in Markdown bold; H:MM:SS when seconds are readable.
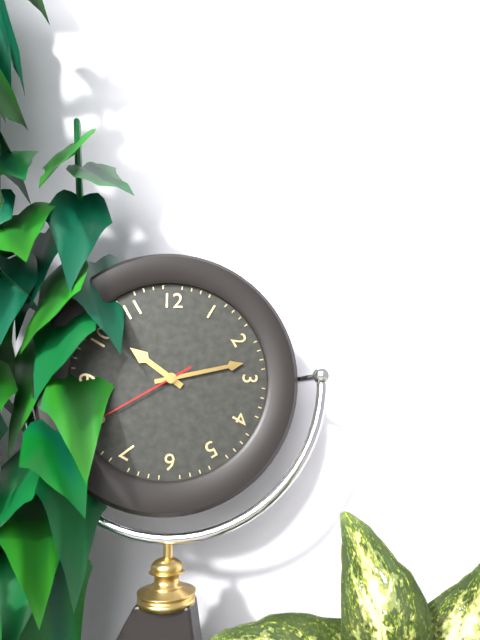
**10:13:40**
